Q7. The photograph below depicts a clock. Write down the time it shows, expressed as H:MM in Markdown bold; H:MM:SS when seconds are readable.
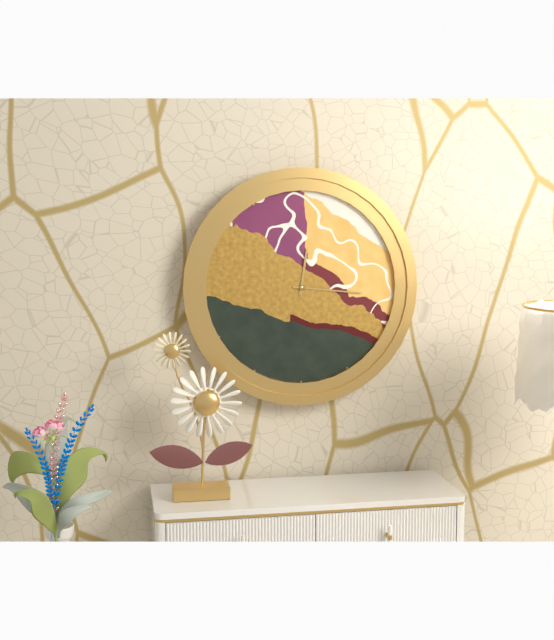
**12:16**
